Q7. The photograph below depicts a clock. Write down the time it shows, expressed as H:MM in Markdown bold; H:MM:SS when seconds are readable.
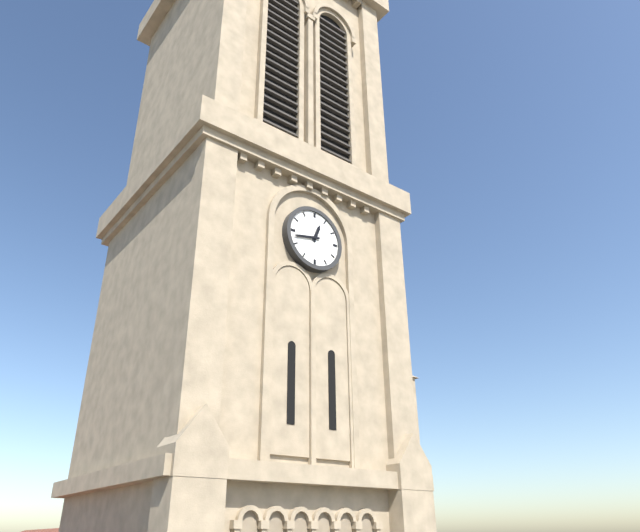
**12:43**
